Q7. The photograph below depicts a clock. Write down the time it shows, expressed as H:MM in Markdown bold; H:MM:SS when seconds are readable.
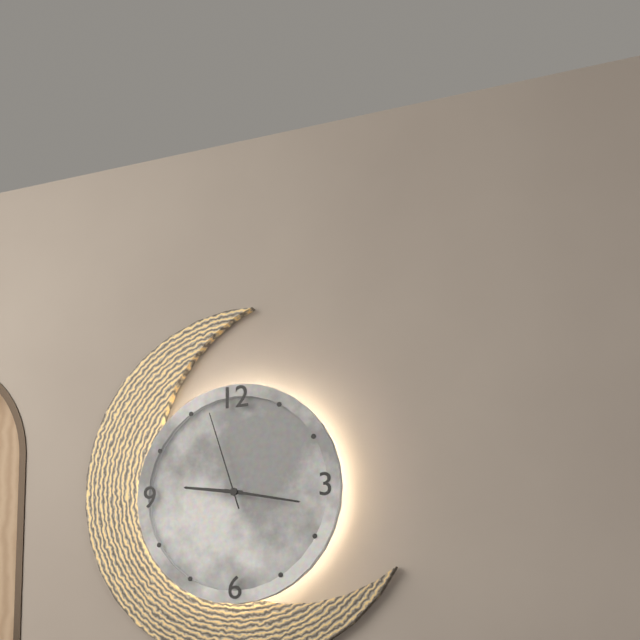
**9:17:57**
